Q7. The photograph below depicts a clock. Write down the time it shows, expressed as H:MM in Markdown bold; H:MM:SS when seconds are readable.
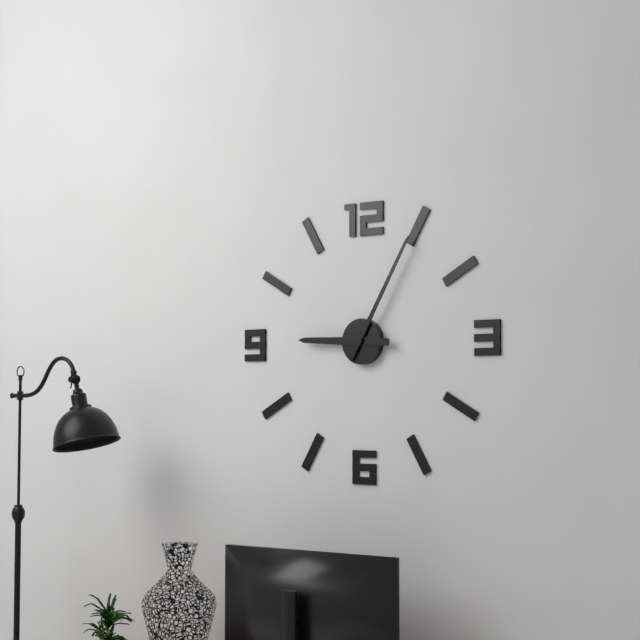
**9:05**
